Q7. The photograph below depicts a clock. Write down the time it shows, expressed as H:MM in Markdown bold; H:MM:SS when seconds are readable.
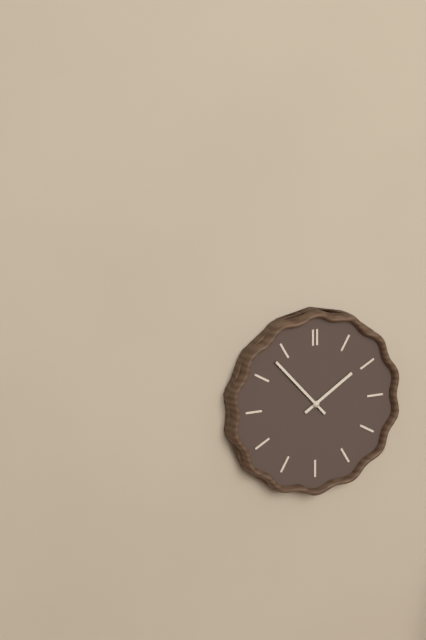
**1:53**
